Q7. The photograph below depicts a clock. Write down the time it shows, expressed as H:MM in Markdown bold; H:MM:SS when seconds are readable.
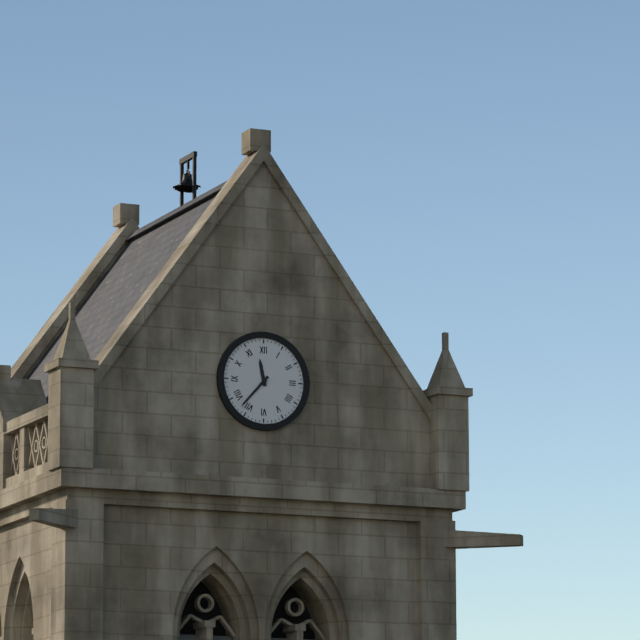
**11:37**
